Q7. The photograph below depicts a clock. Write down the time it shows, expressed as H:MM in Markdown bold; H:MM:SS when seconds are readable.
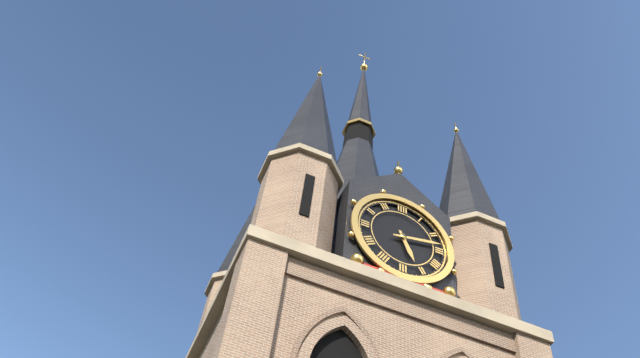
**5:13**
